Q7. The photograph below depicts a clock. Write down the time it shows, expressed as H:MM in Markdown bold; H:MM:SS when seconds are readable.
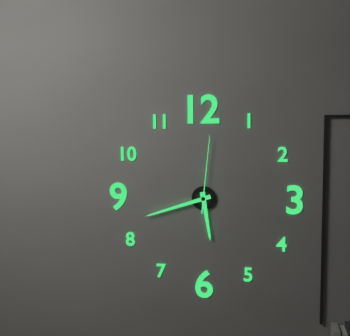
**5:42:01**
